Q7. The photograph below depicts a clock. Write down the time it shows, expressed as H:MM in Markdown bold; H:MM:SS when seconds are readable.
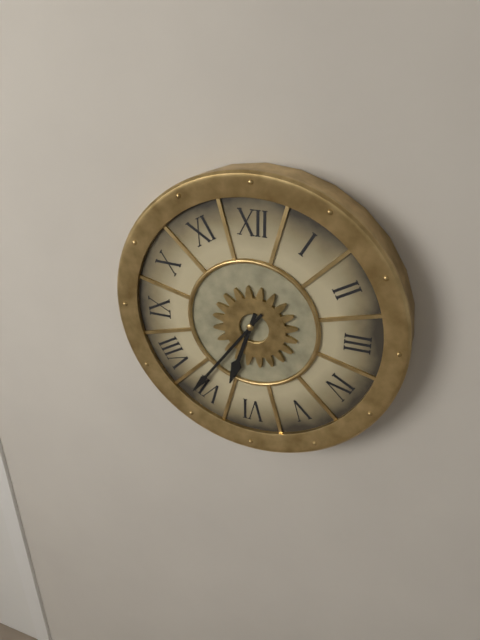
**6:36**
